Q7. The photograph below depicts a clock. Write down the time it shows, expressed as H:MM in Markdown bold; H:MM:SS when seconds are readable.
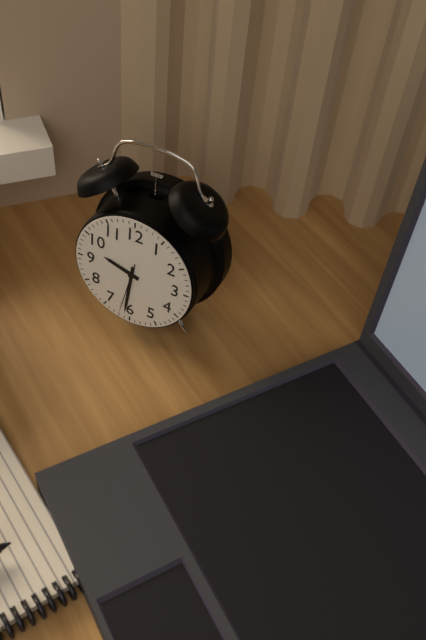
**9:31:32**
